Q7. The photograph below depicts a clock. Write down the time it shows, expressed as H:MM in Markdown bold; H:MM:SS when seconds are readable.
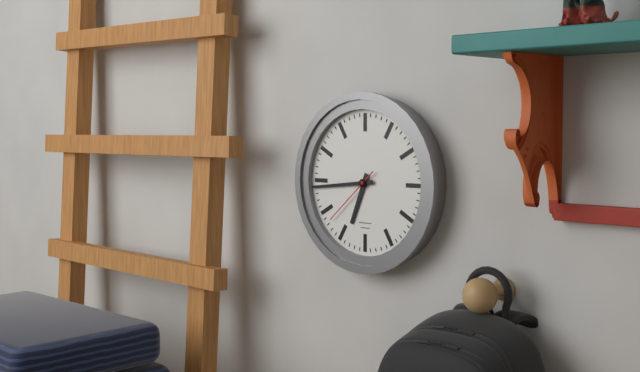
**6:44:38**
